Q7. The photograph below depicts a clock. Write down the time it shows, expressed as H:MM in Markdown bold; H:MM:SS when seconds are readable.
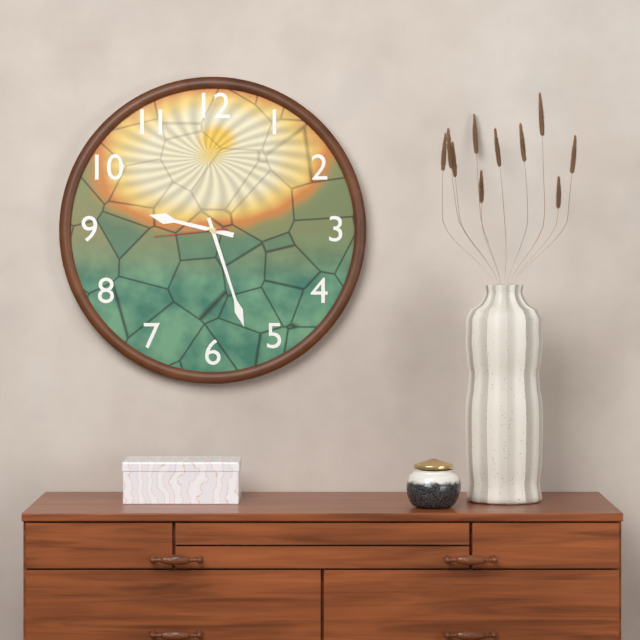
**9:27:44**
